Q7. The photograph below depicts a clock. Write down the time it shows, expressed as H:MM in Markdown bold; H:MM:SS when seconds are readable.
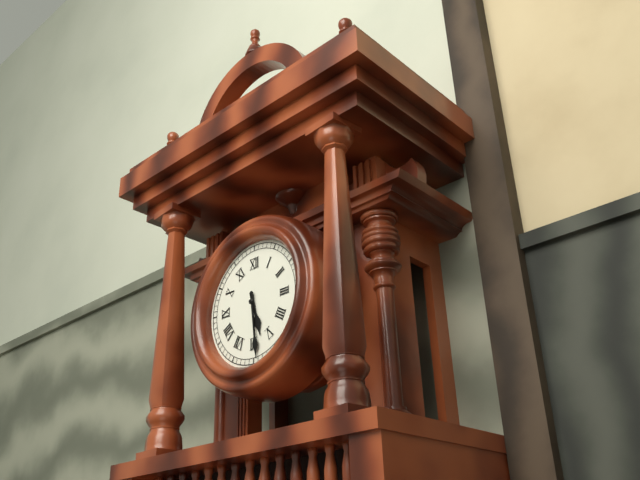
**5:29**
